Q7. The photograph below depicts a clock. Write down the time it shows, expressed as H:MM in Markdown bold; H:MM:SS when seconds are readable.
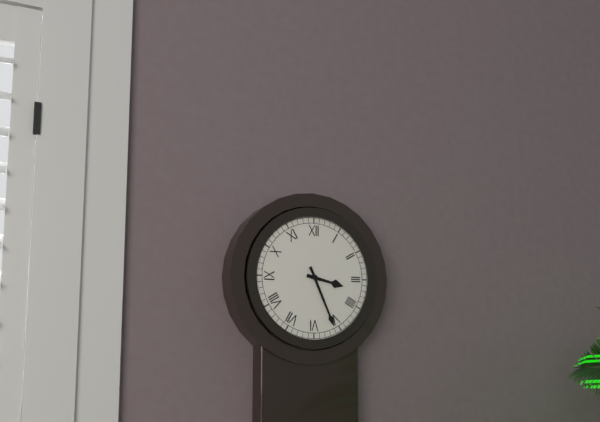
**3:26**
